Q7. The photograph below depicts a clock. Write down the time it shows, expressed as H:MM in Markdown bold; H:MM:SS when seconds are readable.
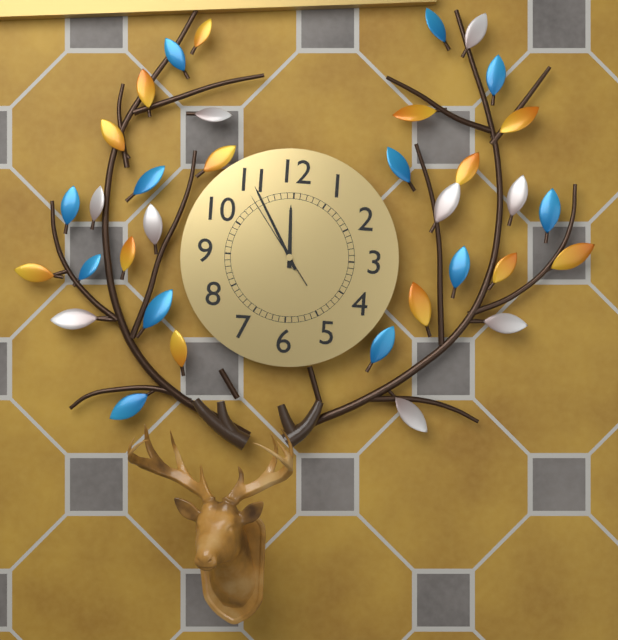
**11:55:54**
